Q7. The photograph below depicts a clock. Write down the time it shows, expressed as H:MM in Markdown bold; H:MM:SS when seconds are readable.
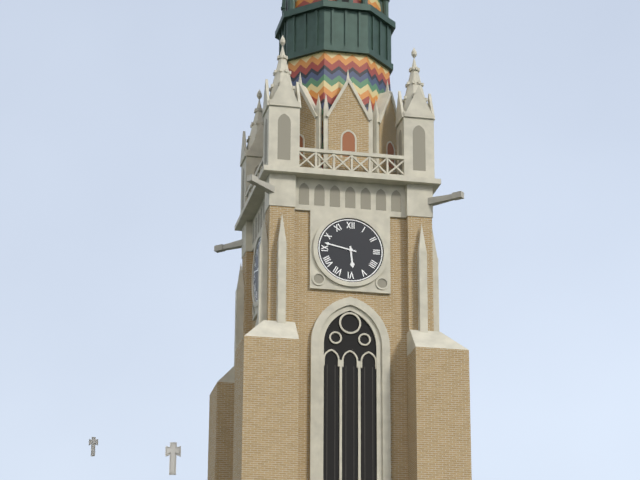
**5:47**
